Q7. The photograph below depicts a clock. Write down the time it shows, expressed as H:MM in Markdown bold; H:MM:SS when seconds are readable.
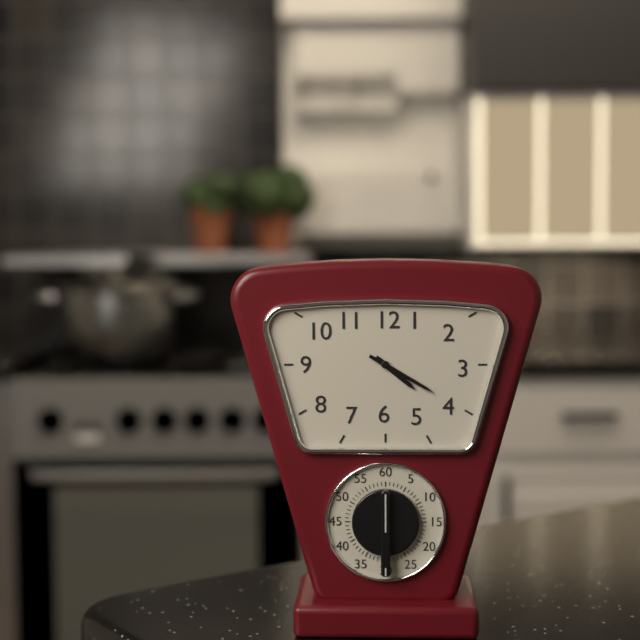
**4:20**
